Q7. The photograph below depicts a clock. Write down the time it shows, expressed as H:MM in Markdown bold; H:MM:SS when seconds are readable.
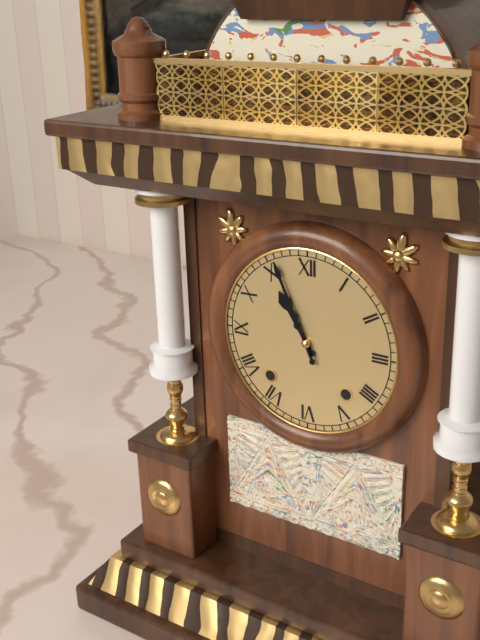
**10:56**
